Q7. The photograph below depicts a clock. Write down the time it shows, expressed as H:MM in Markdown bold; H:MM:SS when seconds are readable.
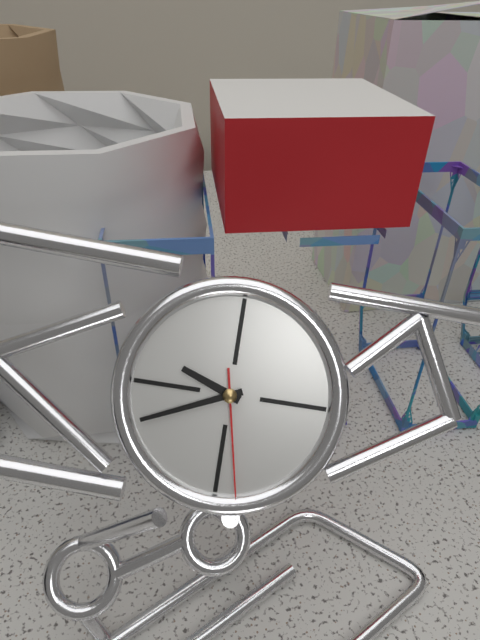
**9:41:28**
